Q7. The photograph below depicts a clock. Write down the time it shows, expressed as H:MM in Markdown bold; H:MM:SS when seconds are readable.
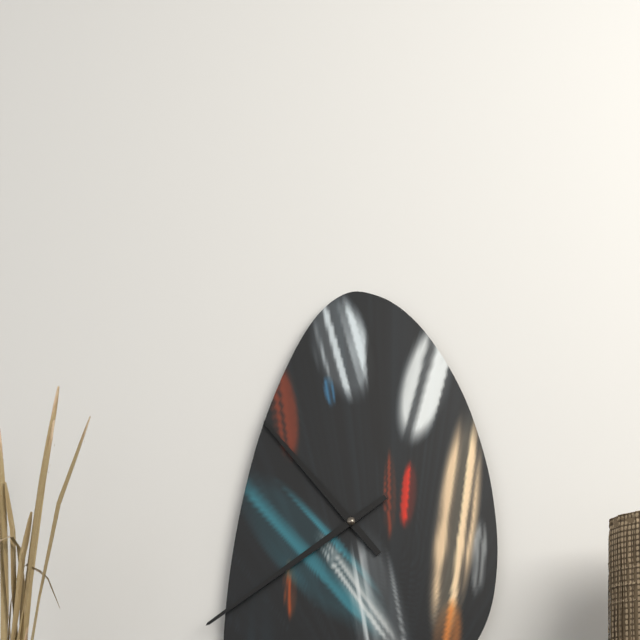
**10:39**
